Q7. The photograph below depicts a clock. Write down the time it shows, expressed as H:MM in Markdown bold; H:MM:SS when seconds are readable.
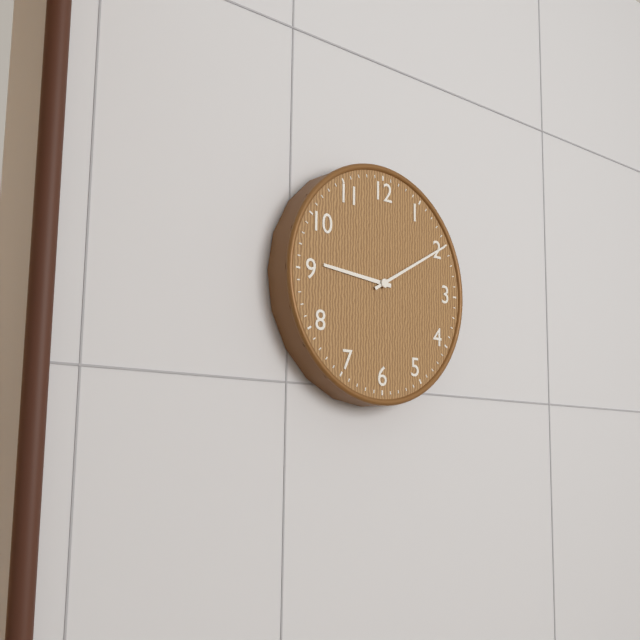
**9:10**
